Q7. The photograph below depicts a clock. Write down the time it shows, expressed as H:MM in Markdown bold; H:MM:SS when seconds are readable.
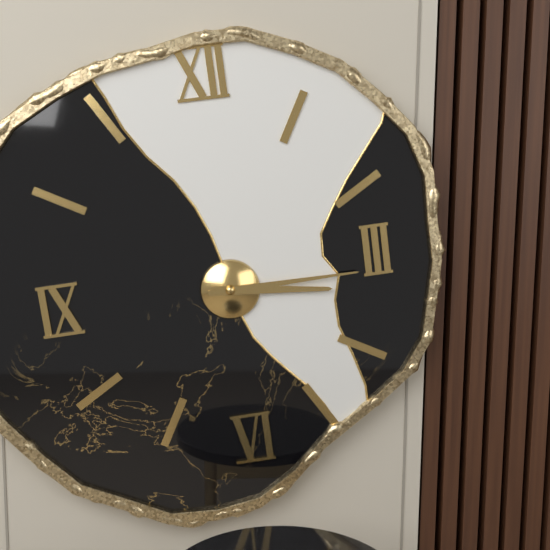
**3:15**
